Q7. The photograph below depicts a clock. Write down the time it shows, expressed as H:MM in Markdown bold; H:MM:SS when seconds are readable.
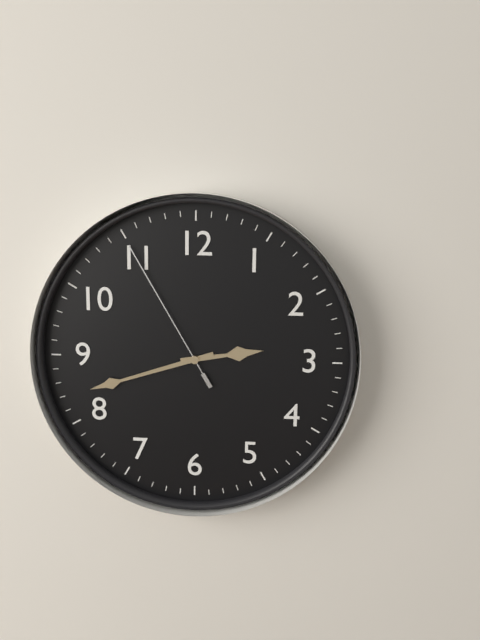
**2:42:55**
